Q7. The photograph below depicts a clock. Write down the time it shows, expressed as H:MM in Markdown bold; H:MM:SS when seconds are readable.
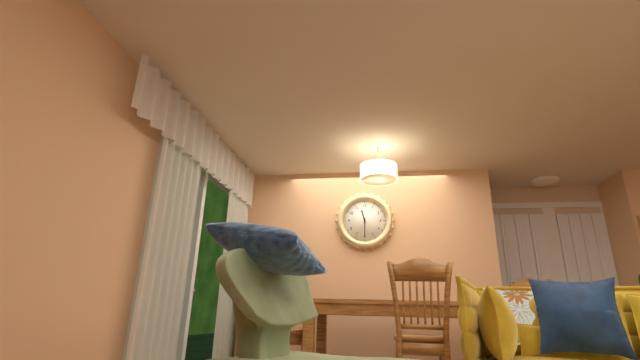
**11:30**
